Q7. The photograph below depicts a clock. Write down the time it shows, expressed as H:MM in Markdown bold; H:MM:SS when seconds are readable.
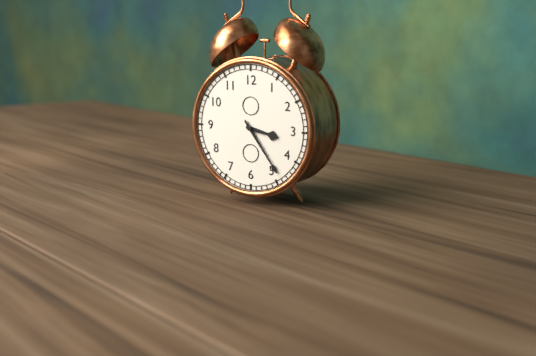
**3:24**
